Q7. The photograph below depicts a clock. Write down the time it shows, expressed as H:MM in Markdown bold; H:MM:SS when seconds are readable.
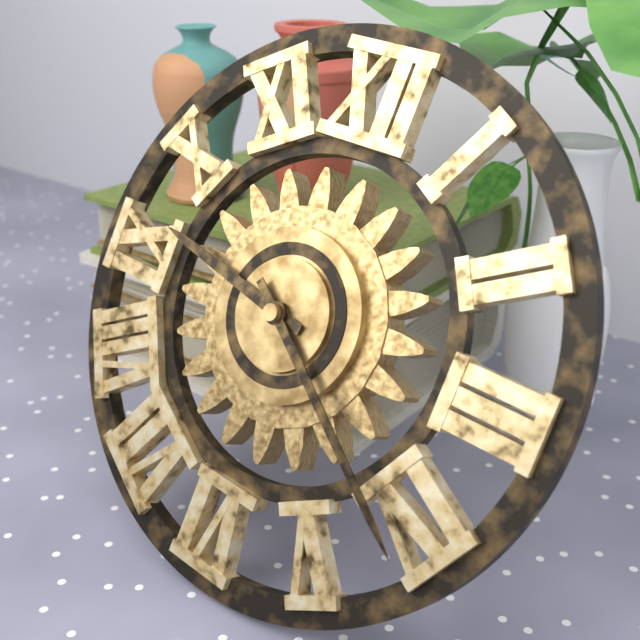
**9:21**
